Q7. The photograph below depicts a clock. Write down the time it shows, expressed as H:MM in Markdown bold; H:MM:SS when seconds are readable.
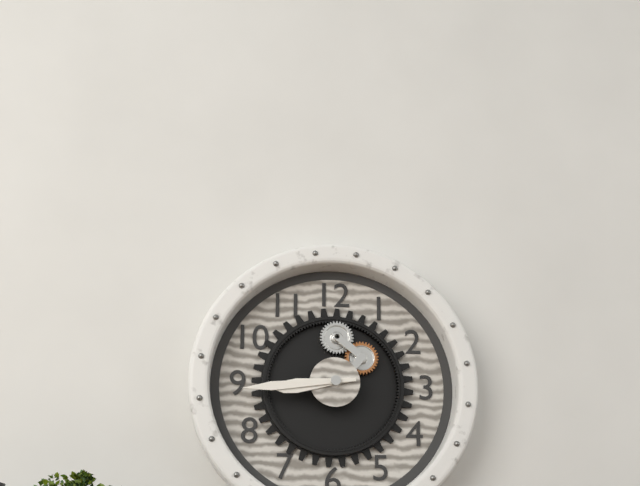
**8:44**
